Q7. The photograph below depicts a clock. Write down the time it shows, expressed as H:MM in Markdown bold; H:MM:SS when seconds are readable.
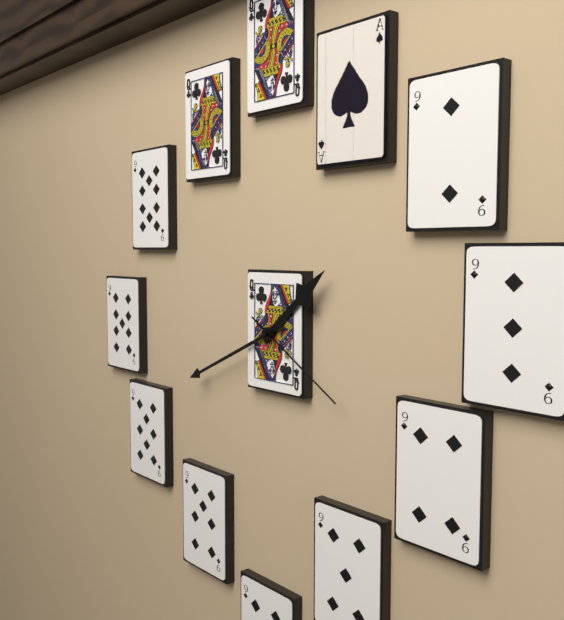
**1:41:20**
